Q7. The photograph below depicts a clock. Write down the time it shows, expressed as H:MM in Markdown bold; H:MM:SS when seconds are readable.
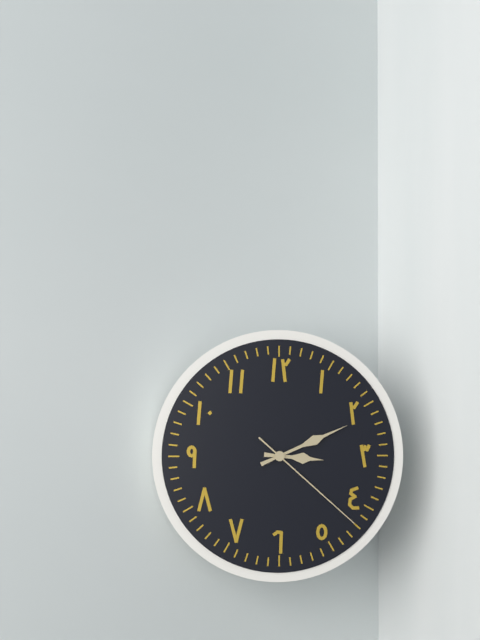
**3:11:22**
